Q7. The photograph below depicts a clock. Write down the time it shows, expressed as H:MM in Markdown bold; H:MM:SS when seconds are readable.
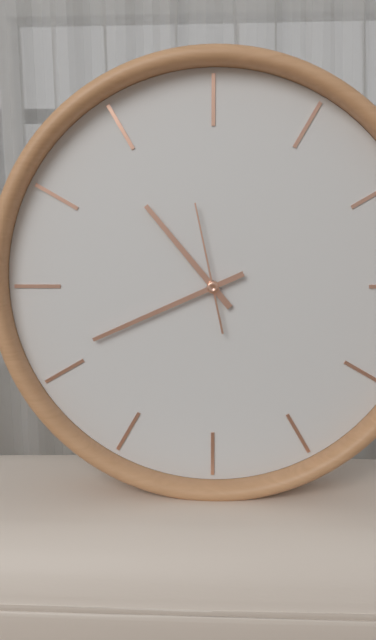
**10:41:58**
